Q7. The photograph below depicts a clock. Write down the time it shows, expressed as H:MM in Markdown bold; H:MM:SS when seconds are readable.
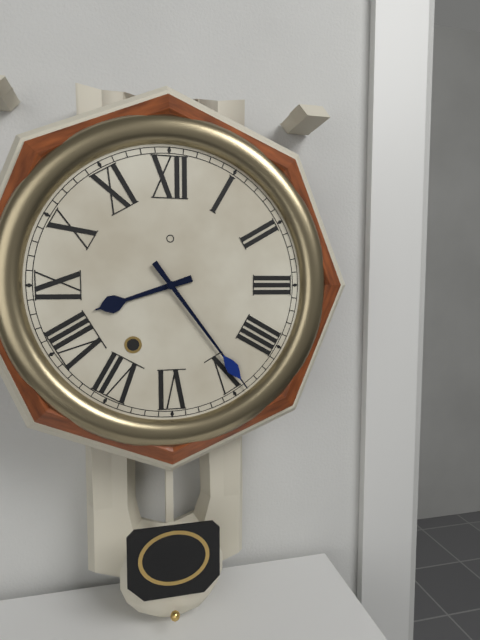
**8:24**
